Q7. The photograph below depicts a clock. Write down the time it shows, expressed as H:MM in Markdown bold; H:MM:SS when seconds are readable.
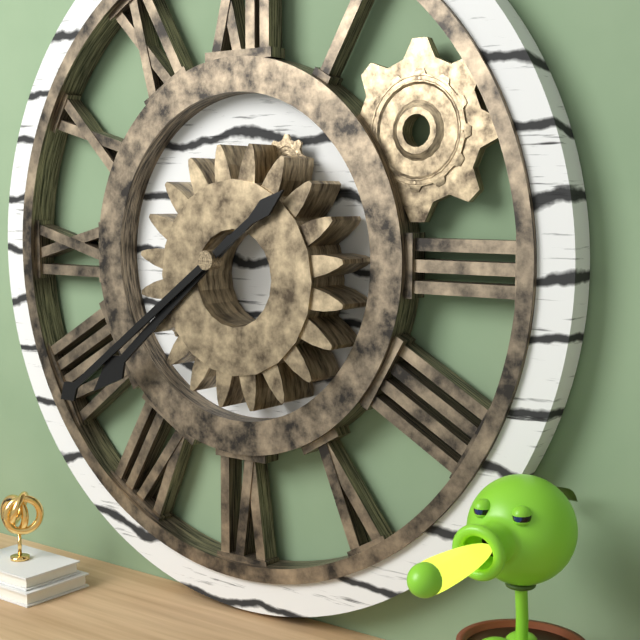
**7:39**
